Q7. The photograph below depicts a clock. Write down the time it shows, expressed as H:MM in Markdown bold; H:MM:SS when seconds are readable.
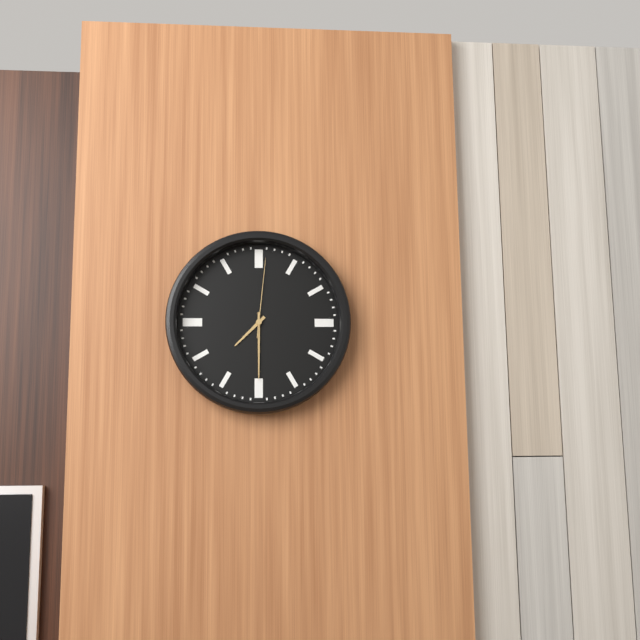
**7:30:01**
